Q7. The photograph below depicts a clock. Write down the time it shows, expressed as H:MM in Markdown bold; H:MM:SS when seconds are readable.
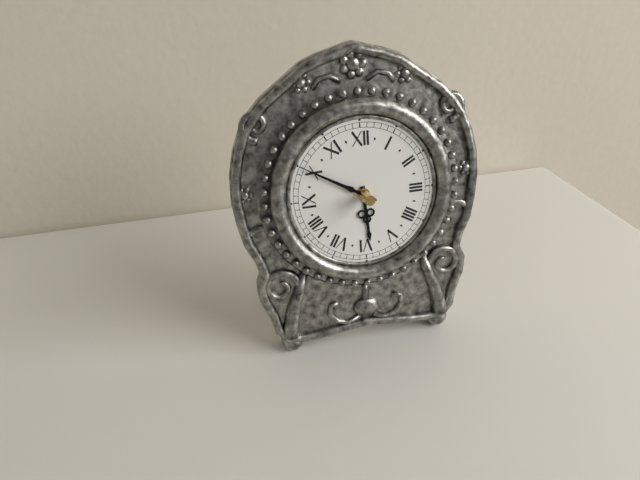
**5:50**
